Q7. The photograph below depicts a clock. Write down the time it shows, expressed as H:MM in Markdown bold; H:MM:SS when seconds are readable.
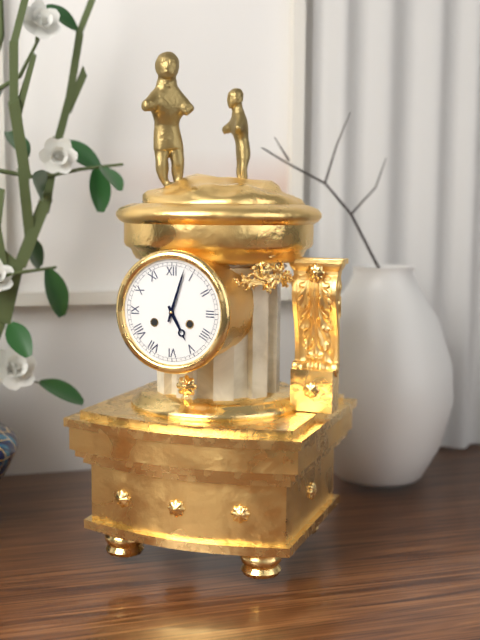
**5:03**
